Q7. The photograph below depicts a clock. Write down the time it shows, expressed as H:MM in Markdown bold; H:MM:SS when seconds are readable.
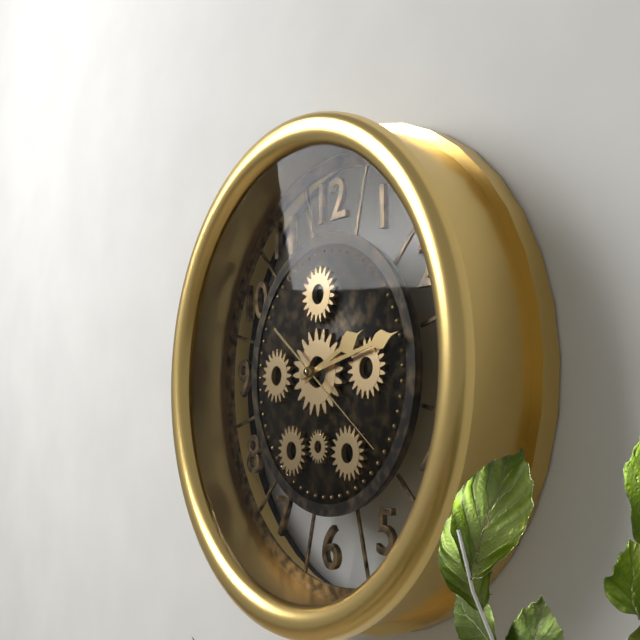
**2:13:21**
